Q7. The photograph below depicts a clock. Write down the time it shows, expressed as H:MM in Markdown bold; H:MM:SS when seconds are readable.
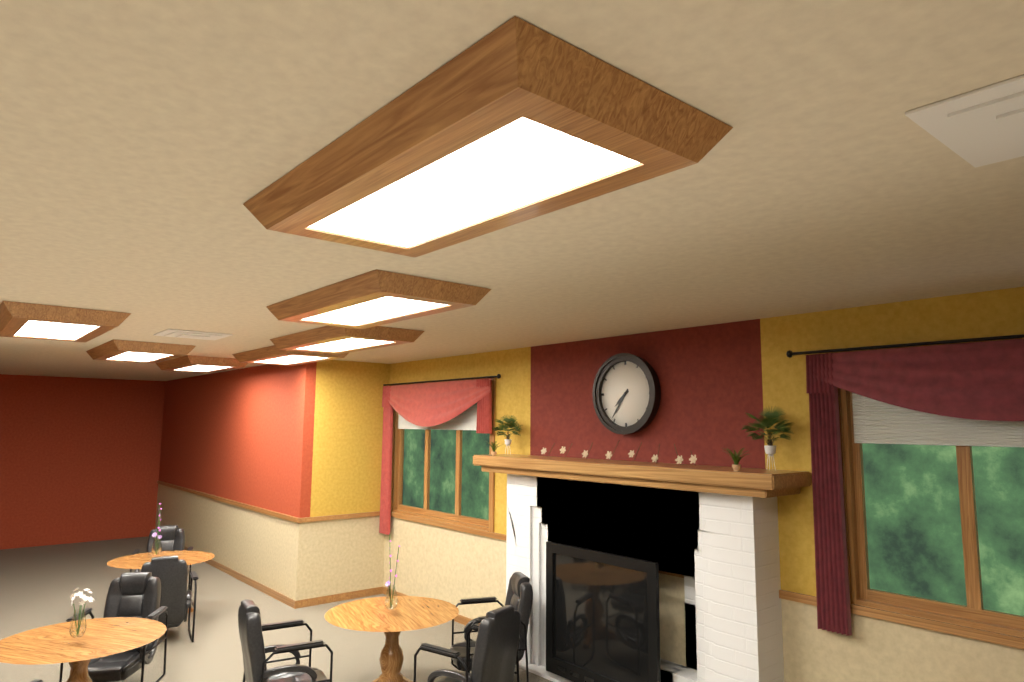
**7:36**
